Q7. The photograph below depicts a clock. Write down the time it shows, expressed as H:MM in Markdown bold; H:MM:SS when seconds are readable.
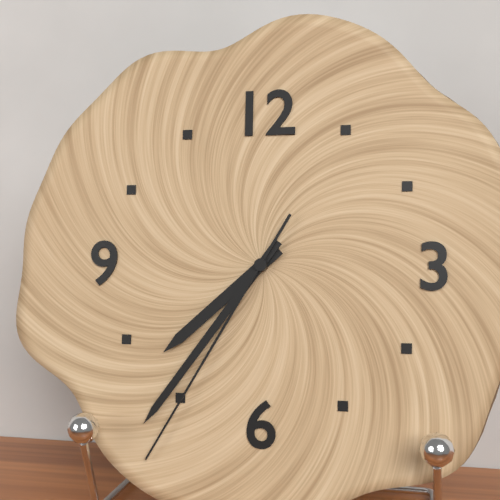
**7:36:35**
